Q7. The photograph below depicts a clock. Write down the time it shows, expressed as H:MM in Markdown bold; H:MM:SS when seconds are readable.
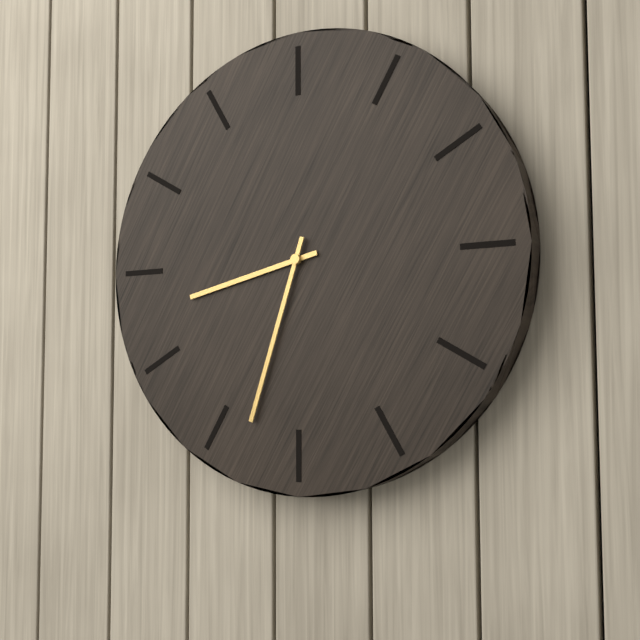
**8:33**
